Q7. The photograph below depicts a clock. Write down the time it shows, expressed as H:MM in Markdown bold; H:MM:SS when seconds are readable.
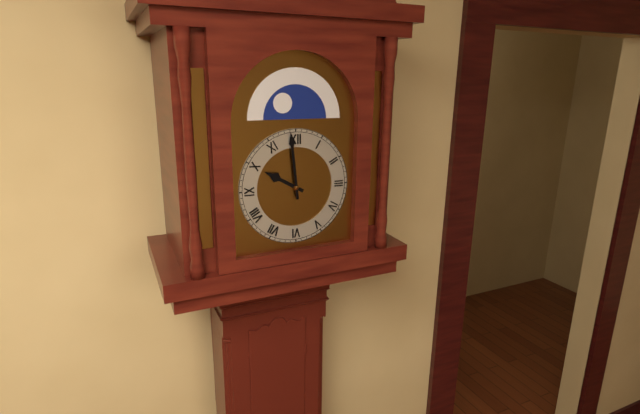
**9:59**
